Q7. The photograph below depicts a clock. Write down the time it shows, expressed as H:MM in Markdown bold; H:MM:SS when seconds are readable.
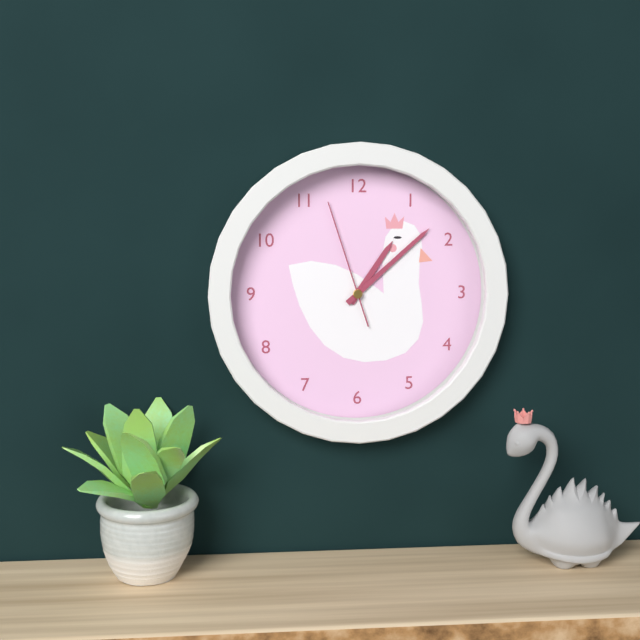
**1:08:57**
